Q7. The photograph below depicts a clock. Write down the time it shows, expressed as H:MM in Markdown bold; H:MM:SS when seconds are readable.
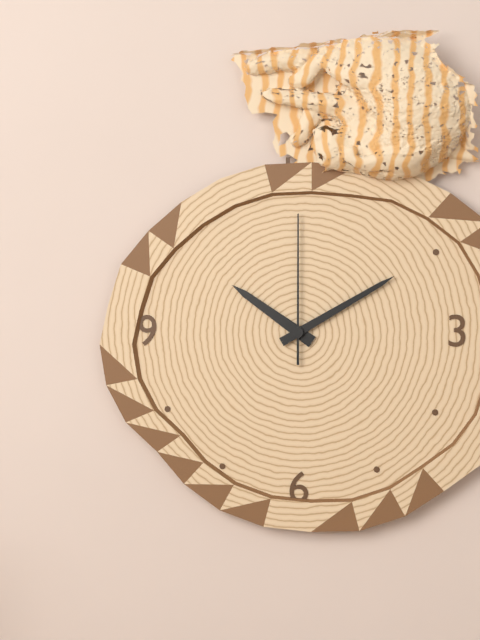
**10:10:00**
